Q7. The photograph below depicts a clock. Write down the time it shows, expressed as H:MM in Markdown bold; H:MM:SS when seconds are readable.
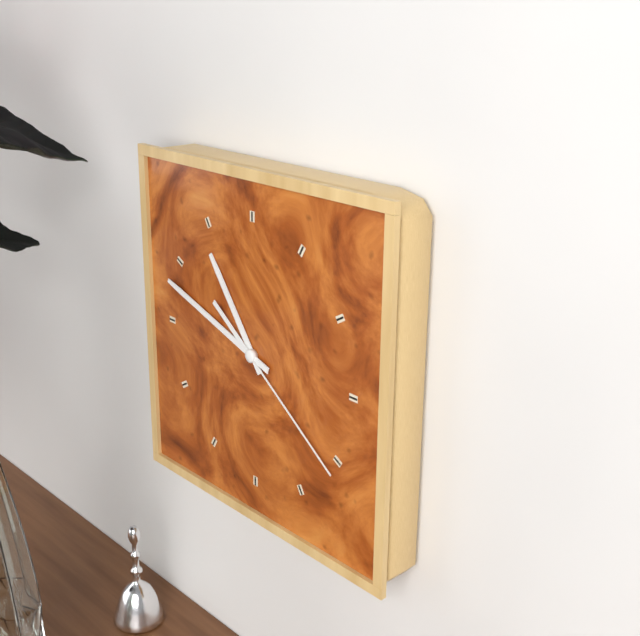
**10:48:21**
